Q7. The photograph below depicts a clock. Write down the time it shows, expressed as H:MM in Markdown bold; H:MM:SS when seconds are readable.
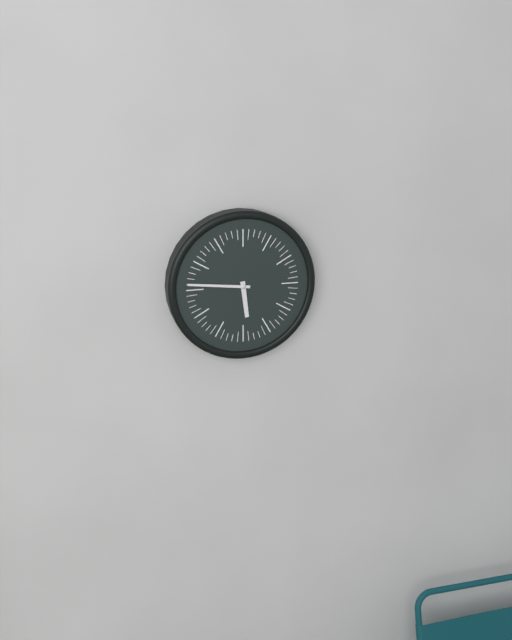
**5:46**
